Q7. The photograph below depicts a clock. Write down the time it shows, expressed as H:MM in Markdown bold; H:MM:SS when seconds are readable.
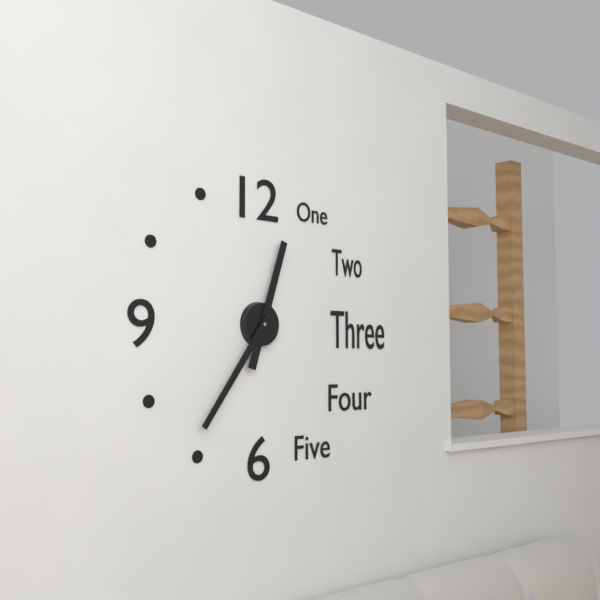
**12:36**
